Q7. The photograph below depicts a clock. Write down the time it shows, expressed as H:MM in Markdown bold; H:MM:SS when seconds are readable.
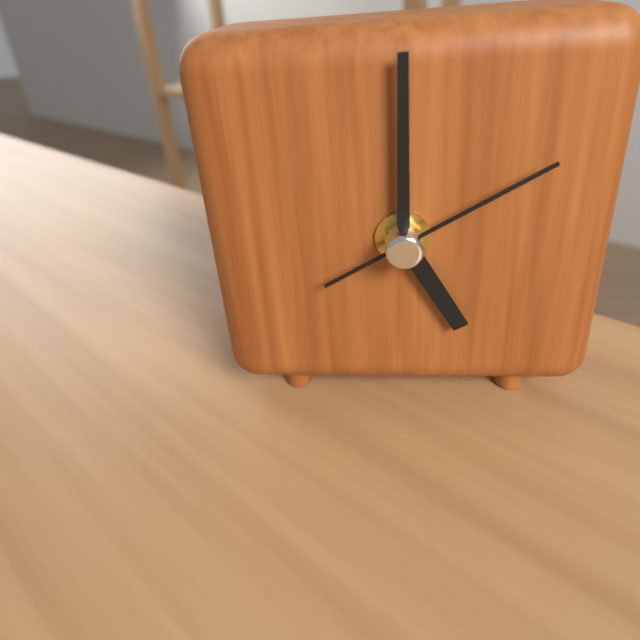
**5:00:10**
